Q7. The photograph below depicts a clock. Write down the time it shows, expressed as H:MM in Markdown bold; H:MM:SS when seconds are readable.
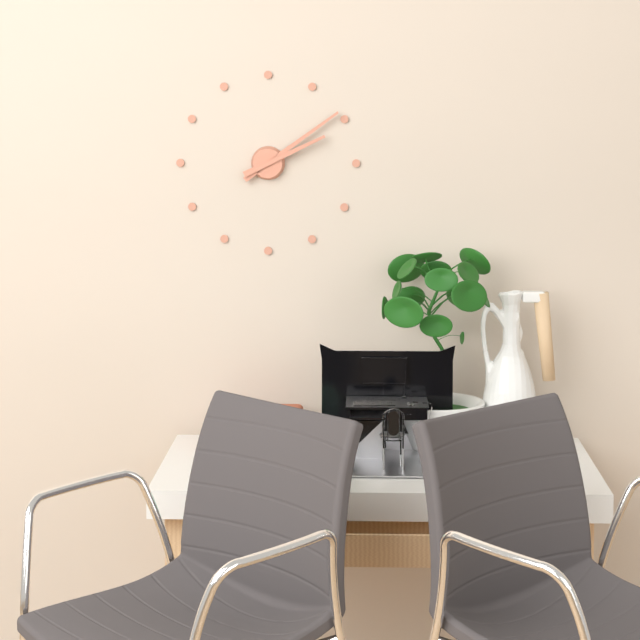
**2:09**
